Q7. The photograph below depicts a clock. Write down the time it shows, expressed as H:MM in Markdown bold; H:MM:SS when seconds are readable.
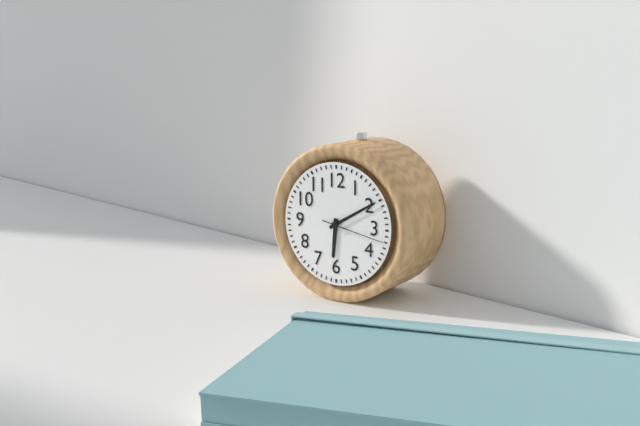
**6:10:17**
